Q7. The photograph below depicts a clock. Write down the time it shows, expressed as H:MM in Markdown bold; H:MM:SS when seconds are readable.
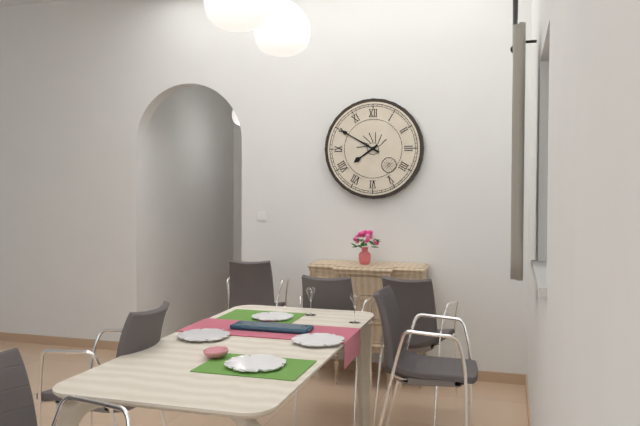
**7:50**
